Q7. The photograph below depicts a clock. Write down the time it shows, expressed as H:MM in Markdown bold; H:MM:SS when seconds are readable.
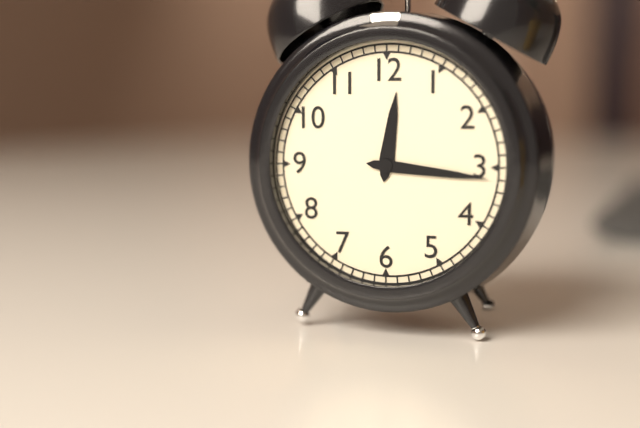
**12:16**
